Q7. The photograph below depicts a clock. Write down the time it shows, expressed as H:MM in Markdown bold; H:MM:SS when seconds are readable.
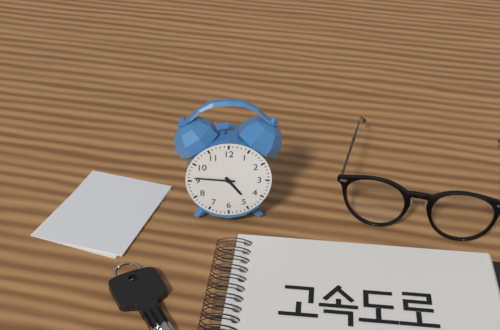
**4:46**
